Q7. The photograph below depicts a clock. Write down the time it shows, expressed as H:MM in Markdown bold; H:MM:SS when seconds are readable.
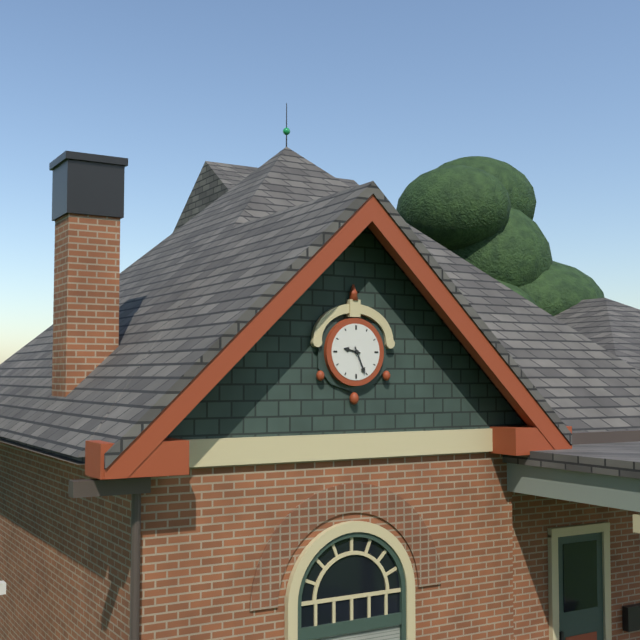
**9:26**
